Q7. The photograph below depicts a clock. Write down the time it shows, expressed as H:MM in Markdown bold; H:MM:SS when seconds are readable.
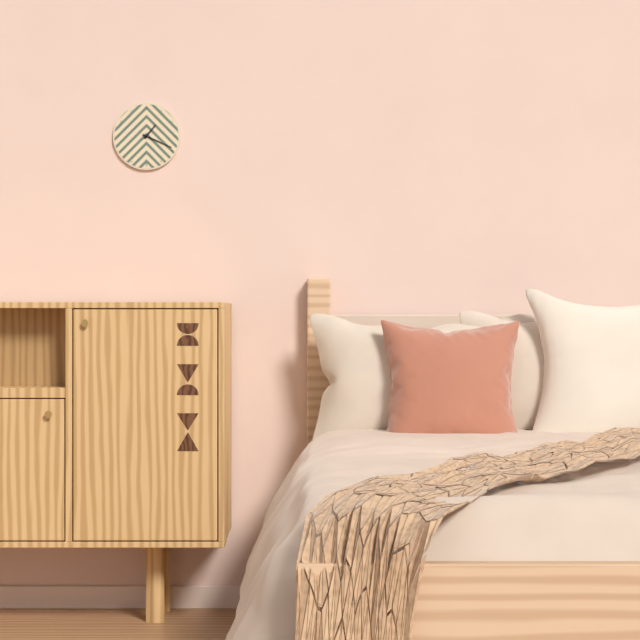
**1:19**
